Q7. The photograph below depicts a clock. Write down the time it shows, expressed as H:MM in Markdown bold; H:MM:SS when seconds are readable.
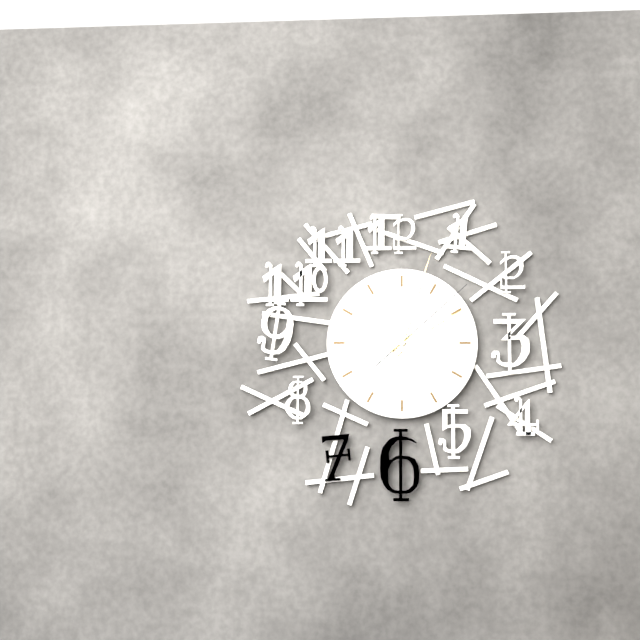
**2:03:08**
